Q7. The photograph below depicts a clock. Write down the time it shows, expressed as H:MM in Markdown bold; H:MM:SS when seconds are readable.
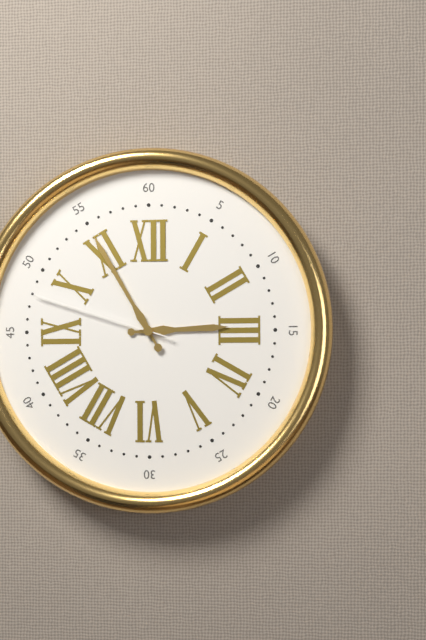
**2:55:48**
